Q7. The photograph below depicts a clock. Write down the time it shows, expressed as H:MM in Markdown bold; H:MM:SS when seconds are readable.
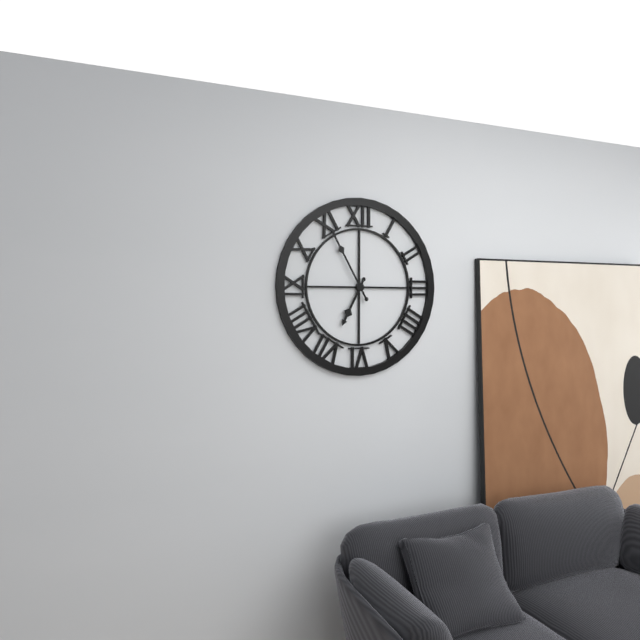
**6:55**
